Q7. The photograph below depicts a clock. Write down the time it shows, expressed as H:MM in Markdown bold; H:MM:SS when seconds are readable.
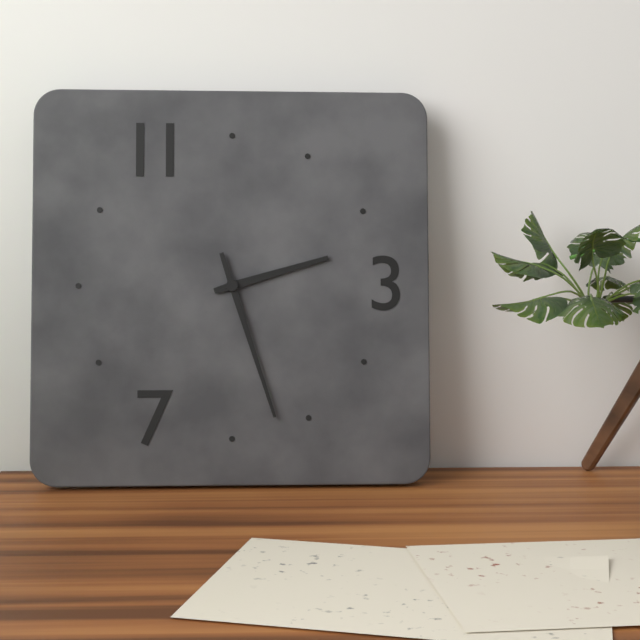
**2:27**
